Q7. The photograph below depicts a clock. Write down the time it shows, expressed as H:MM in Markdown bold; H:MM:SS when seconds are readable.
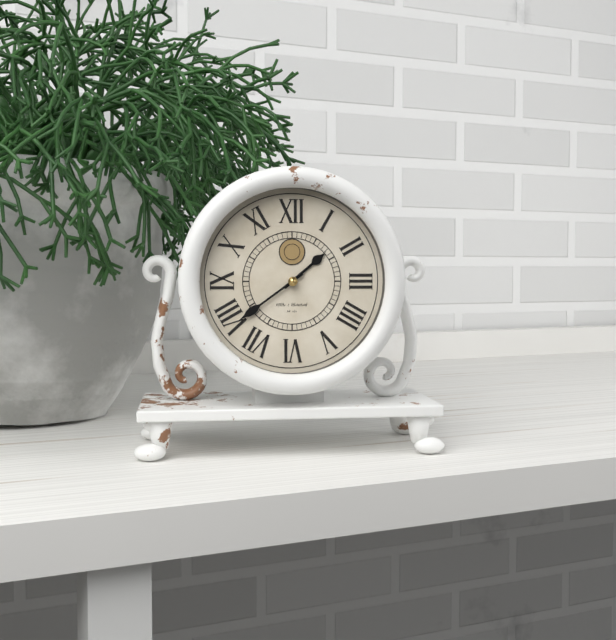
**1:39**
